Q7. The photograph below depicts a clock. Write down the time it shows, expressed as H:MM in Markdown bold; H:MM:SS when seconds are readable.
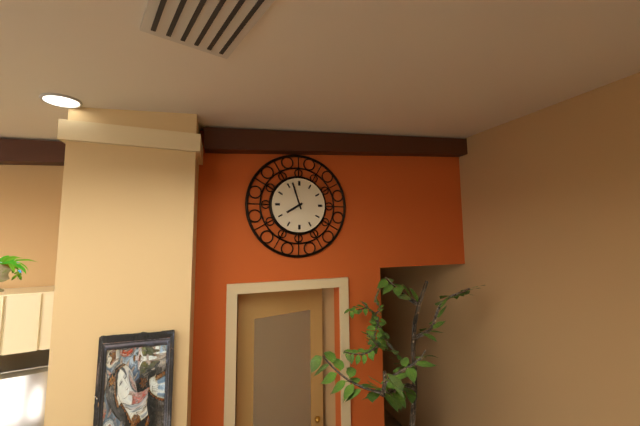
**7:57**
